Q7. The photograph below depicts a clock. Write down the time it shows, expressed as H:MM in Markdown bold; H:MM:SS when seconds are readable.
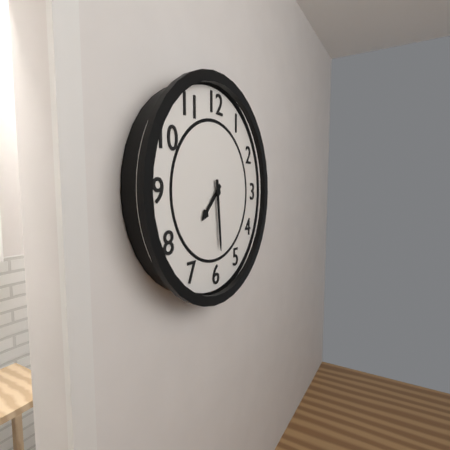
**7:29**
